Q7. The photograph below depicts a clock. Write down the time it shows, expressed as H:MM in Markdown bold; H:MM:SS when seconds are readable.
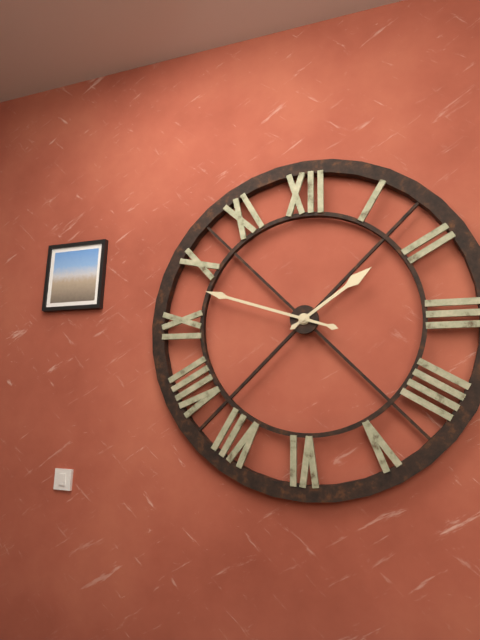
**1:48**
